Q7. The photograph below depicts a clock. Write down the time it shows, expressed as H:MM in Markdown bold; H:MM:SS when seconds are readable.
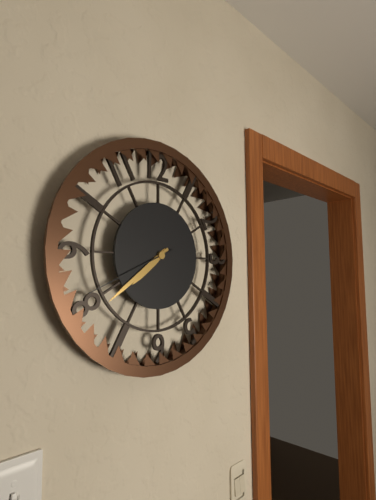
**7:39:41**
